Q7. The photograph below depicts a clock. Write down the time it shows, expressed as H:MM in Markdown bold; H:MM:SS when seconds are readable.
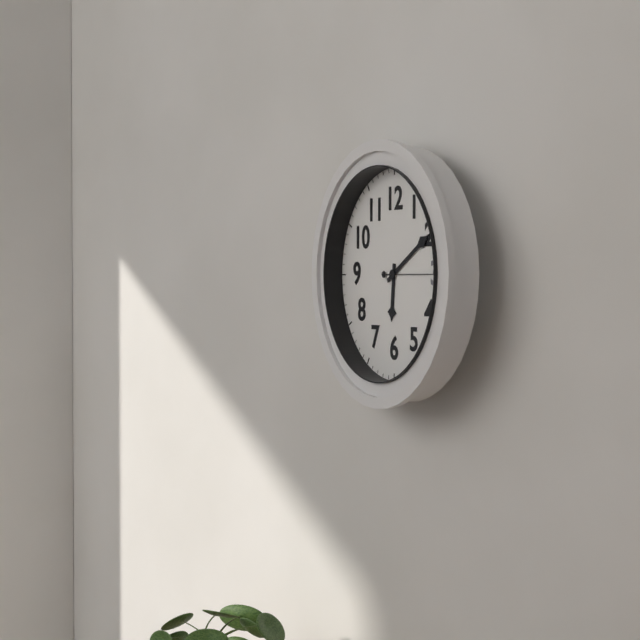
**6:10:15**
